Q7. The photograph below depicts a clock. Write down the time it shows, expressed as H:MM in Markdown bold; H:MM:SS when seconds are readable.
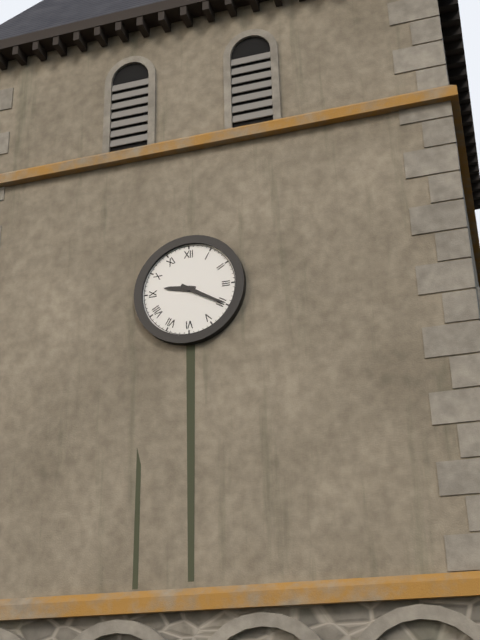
**9:20**
